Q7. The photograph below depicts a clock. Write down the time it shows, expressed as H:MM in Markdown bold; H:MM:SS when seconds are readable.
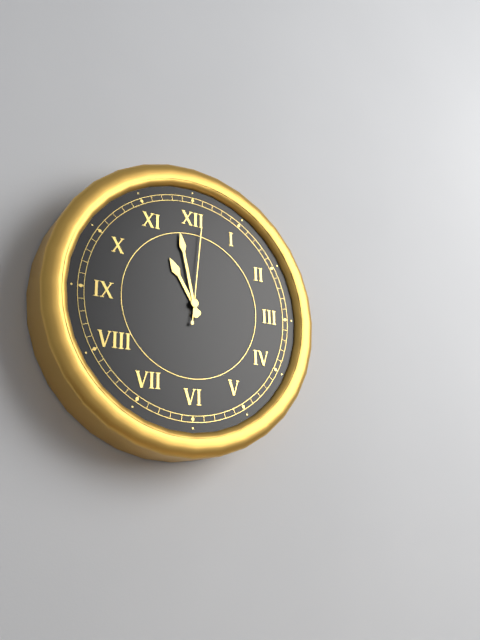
**10:58:01**
